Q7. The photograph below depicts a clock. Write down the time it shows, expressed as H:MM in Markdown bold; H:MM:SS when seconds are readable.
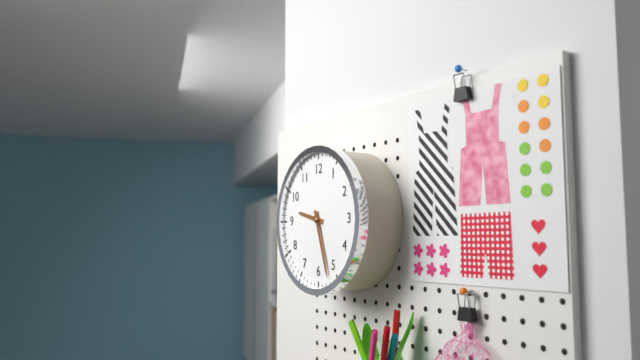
**9:27**
